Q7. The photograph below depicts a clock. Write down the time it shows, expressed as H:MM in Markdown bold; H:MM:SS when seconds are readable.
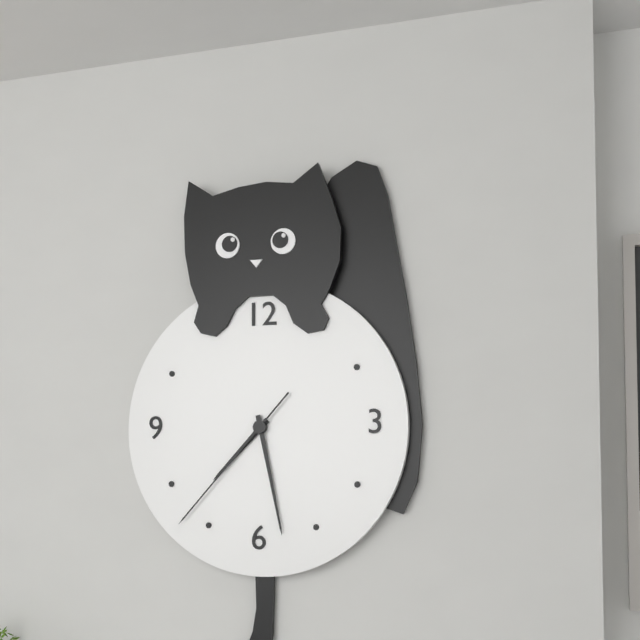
**7:28:37**
